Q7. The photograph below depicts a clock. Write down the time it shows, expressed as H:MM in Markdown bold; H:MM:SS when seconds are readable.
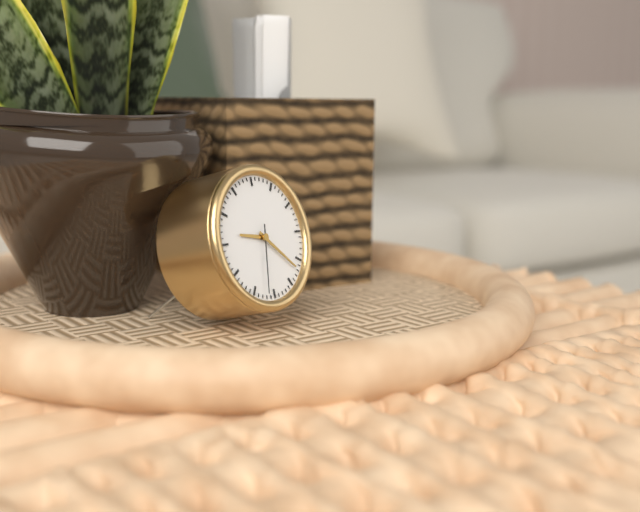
**9:22:32**
